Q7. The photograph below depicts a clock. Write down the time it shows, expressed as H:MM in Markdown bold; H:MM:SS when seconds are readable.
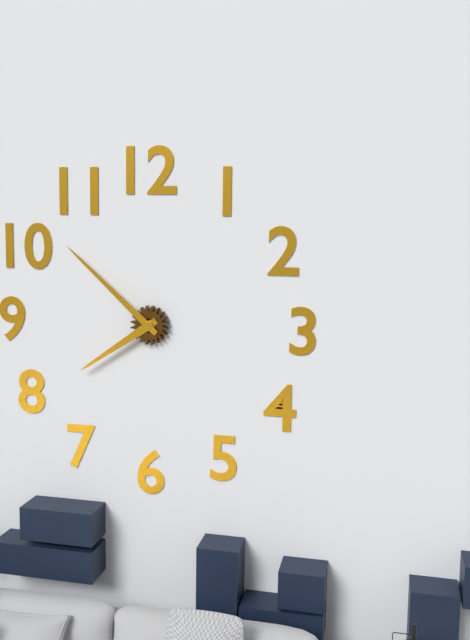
**7:52**
